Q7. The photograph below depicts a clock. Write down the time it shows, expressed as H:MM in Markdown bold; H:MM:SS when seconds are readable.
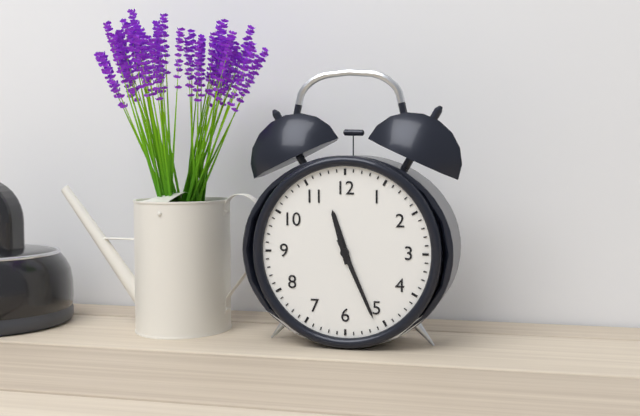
**11:26**
